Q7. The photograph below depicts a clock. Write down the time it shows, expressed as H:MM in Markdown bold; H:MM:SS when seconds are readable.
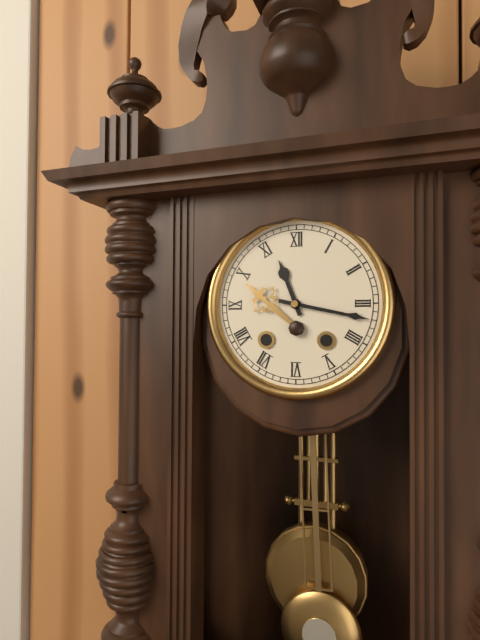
**11:17**
